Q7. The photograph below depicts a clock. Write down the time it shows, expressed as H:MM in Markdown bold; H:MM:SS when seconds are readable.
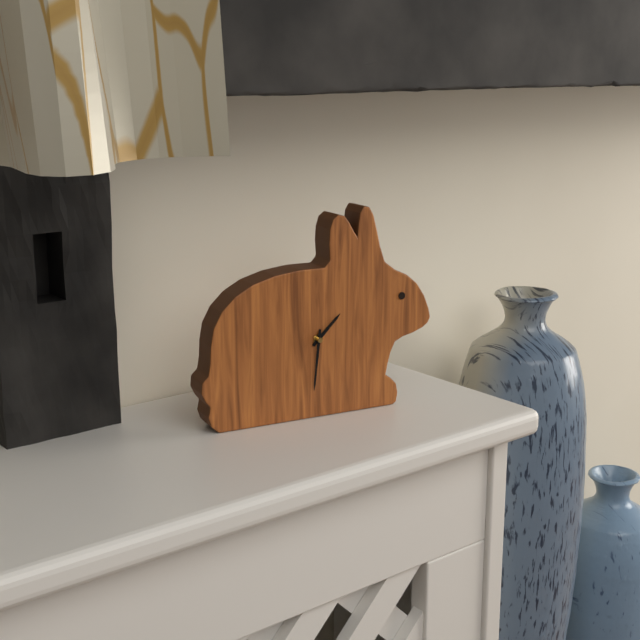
**1:31**
